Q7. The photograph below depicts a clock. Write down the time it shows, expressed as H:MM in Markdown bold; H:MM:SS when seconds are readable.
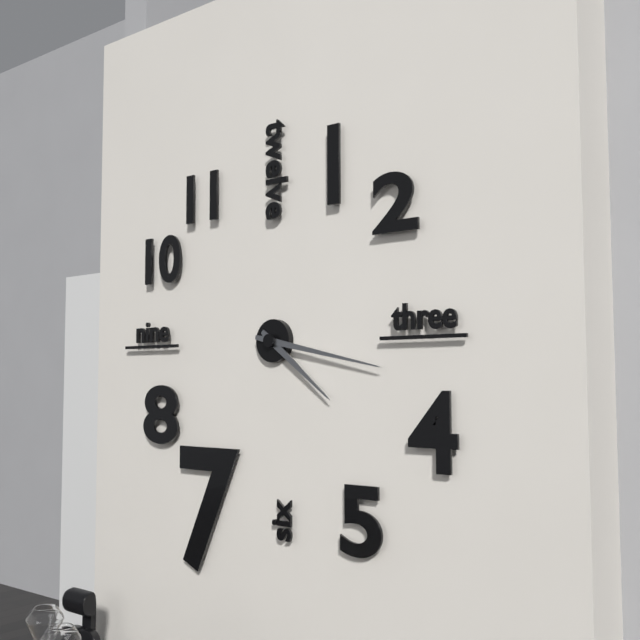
**4:17**
